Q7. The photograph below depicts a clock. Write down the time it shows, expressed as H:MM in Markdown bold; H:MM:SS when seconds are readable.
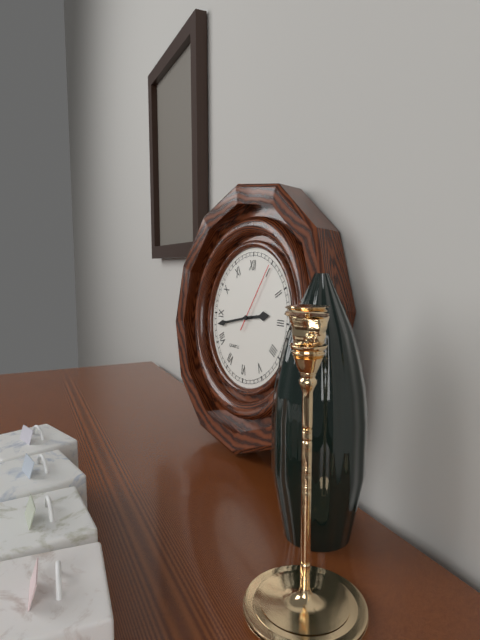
**2:43:05**
